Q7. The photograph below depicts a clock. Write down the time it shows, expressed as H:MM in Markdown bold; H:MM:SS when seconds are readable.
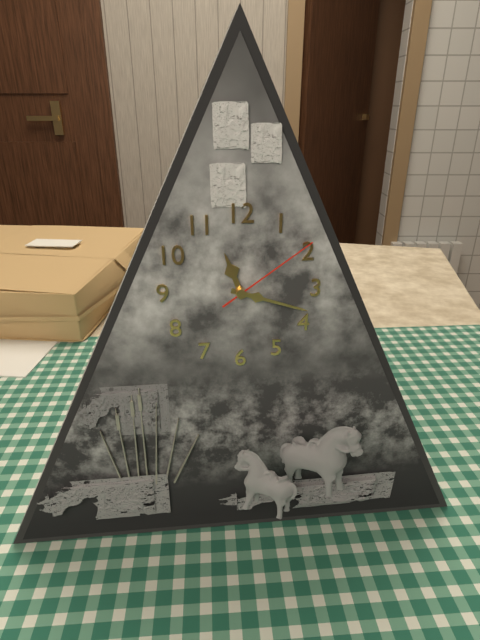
**11:18:09**
